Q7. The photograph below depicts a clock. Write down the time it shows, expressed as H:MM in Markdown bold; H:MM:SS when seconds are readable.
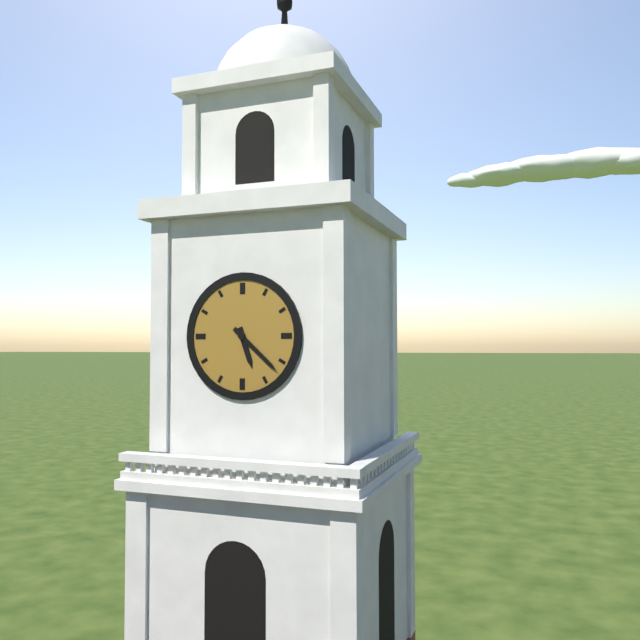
**5:22**
